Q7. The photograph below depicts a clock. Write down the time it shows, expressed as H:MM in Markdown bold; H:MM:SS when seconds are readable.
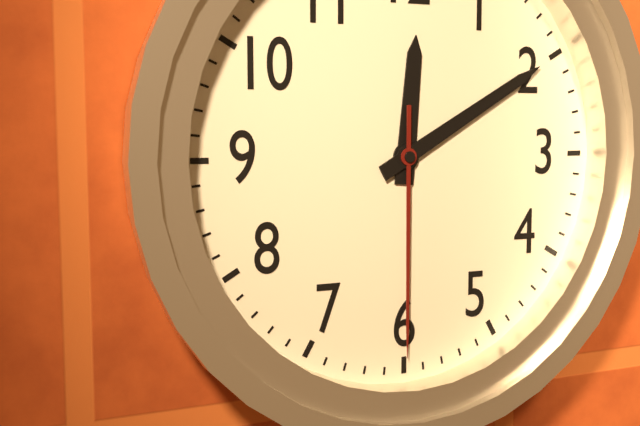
**12:10:30**
